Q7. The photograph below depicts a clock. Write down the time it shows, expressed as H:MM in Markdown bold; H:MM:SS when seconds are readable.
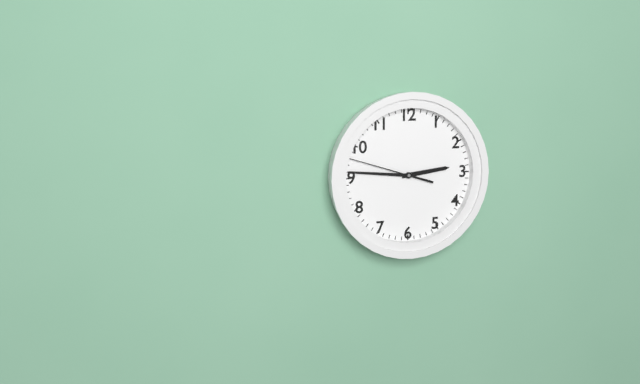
**2:46:48**
